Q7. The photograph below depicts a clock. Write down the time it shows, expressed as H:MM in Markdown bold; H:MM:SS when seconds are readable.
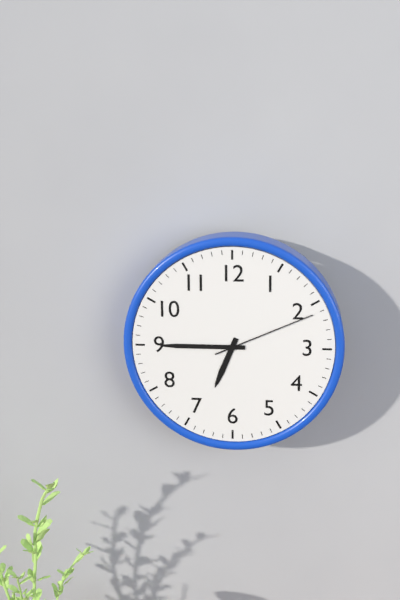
**6:45:11**
